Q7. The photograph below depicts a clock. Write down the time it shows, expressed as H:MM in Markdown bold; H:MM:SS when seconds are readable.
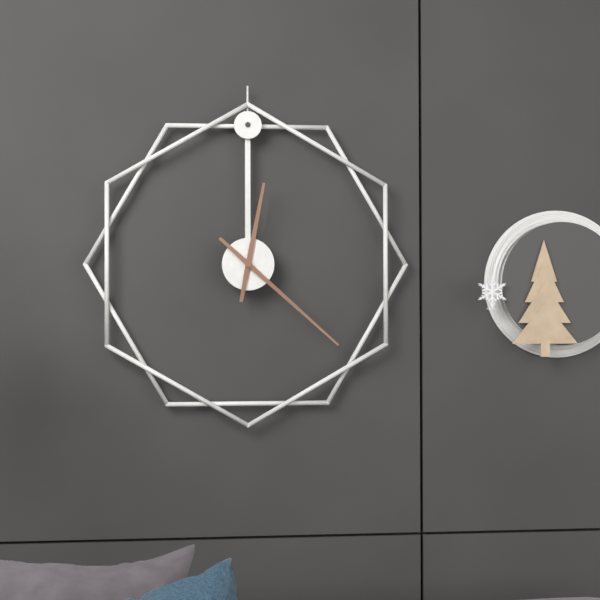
**12:22**
